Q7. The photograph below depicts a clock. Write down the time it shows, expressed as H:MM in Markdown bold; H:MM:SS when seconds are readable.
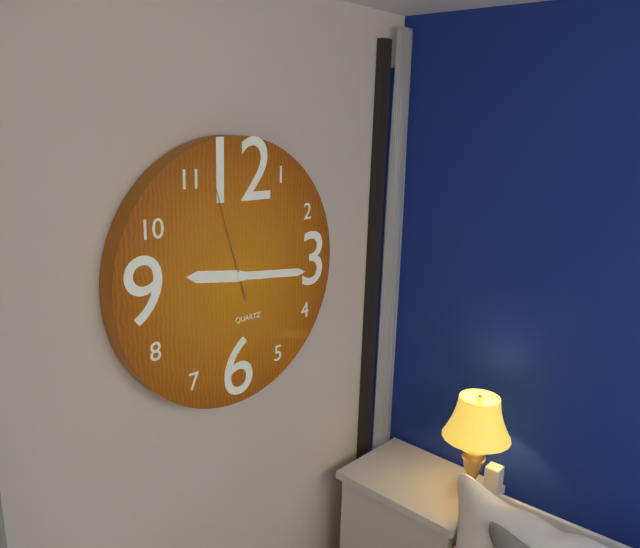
**9:16:57**
